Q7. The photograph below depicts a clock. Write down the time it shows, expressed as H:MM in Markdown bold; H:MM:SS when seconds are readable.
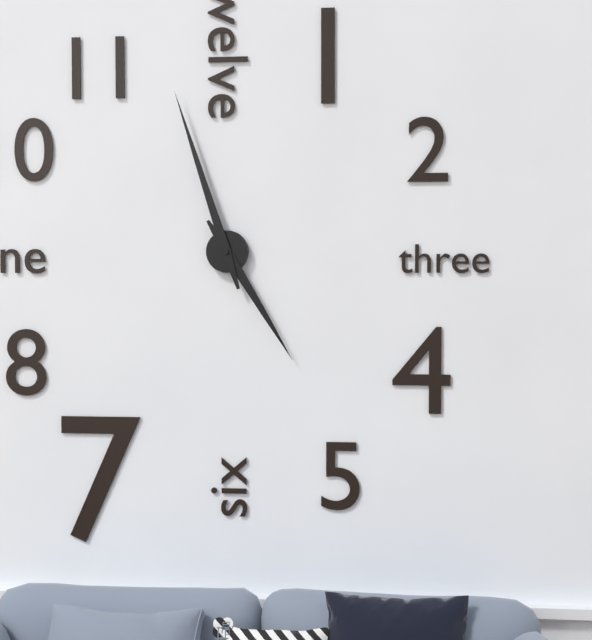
**4:57**
